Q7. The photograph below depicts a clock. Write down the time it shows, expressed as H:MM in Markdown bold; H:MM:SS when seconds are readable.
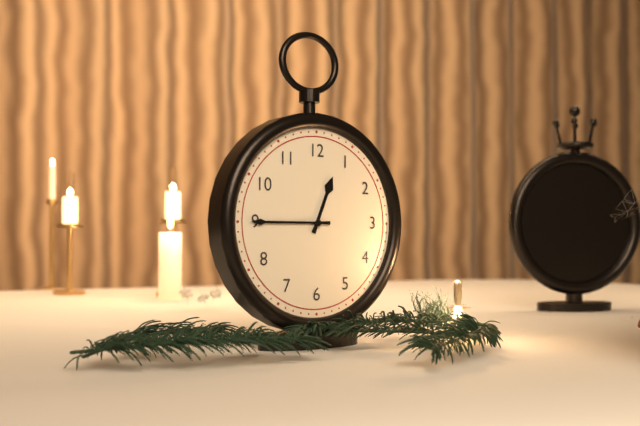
**12:45**
